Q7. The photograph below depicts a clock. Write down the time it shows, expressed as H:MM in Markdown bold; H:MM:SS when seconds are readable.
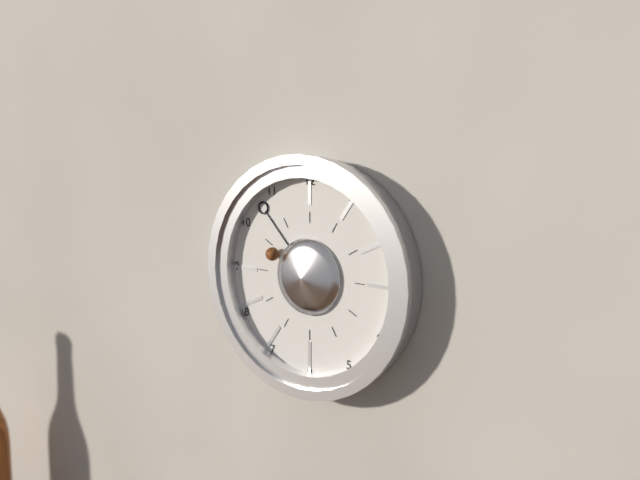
**9:53**
